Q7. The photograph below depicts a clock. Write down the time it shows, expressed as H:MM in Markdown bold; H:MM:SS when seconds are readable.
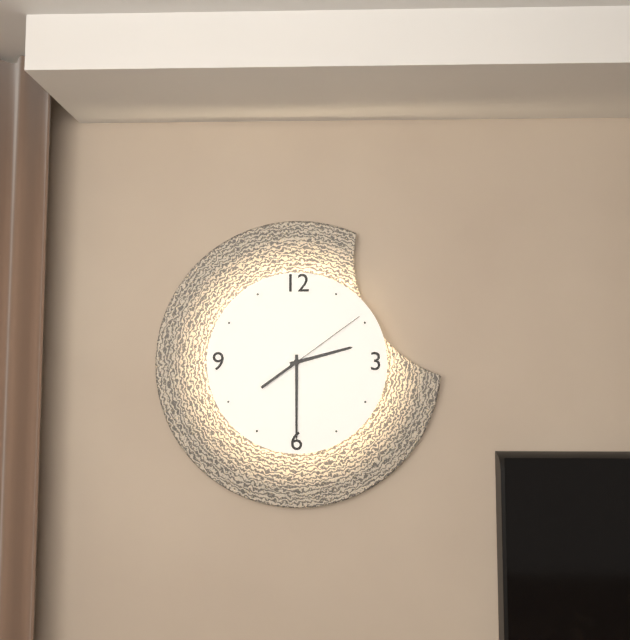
**2:30:09**
